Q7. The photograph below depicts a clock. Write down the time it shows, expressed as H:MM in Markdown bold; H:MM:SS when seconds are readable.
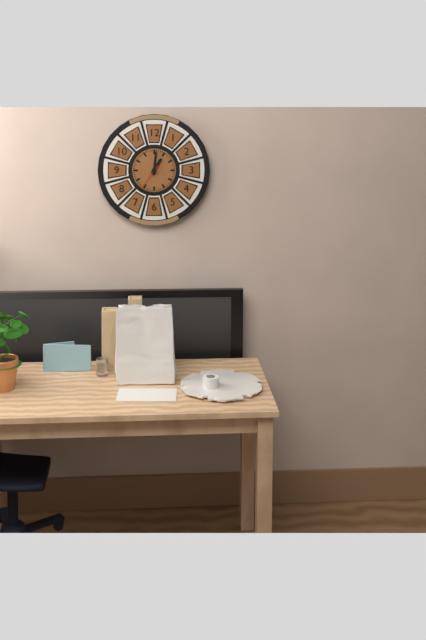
**1:01**
